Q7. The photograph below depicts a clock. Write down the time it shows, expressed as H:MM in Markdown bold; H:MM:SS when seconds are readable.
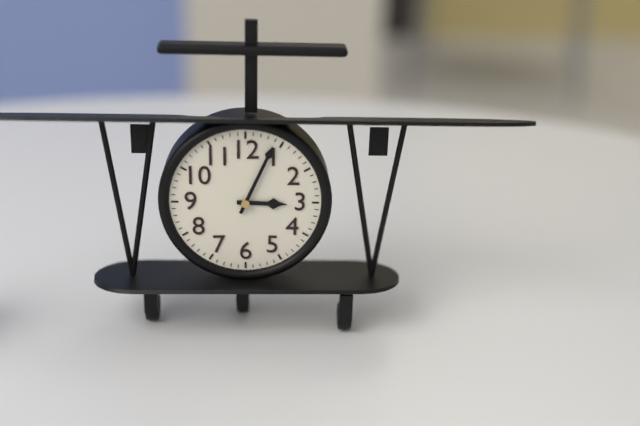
**3:04**
